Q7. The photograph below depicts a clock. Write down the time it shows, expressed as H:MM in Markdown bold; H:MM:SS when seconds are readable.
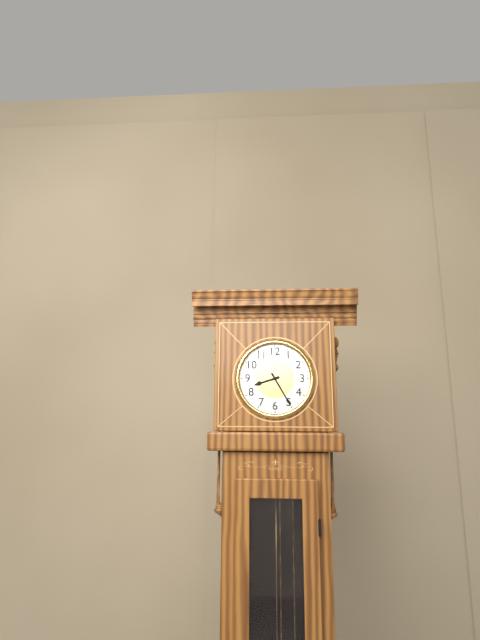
**8:25**
